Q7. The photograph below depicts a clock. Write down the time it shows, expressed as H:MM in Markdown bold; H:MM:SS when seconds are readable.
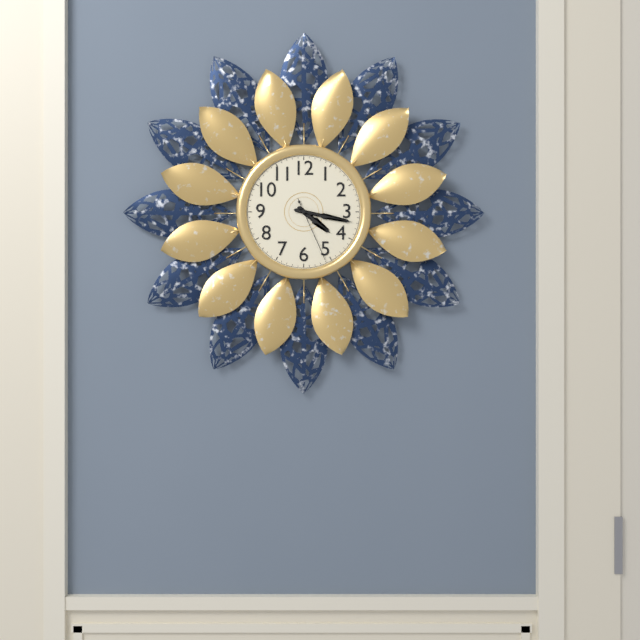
**4:17:26**
